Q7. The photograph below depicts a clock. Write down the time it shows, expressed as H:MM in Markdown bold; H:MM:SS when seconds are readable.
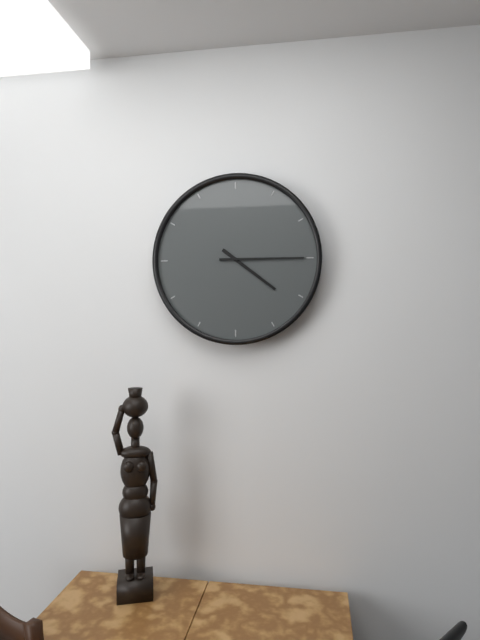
**4:15**
